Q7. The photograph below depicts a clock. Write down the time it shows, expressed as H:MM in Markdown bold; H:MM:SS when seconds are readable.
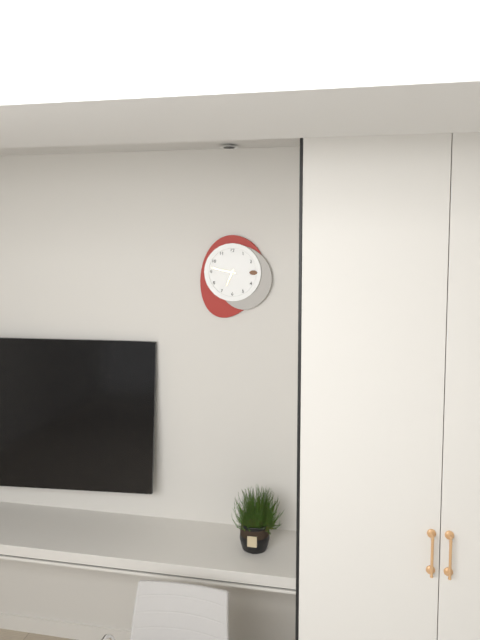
**6:47**
